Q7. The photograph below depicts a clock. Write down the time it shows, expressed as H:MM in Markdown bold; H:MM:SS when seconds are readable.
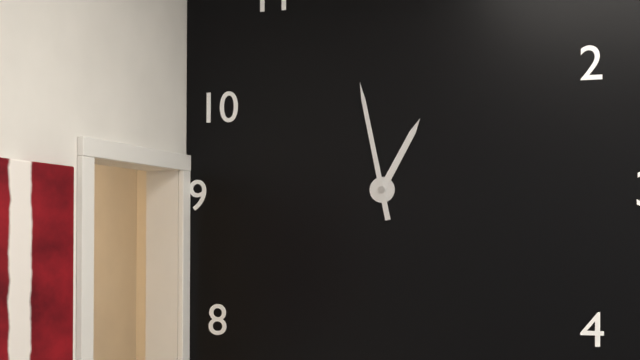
**12:58**
